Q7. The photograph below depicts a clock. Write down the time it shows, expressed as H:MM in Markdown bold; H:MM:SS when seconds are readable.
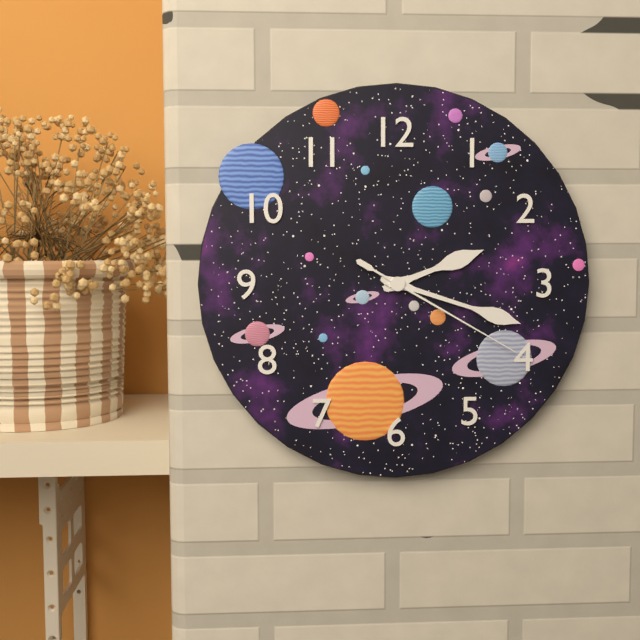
**2:18:20**
